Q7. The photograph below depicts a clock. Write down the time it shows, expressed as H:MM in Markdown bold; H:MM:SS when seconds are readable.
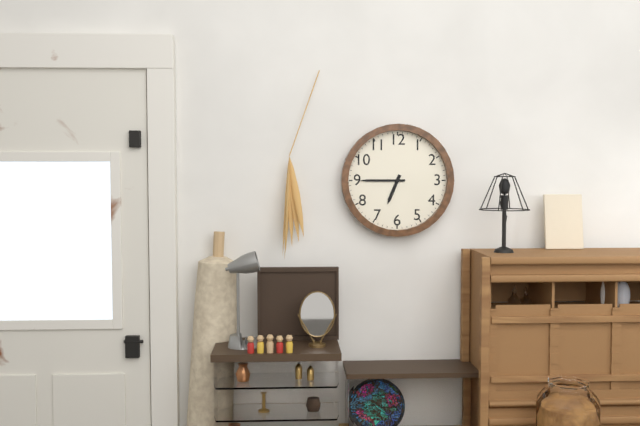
**6:45**
